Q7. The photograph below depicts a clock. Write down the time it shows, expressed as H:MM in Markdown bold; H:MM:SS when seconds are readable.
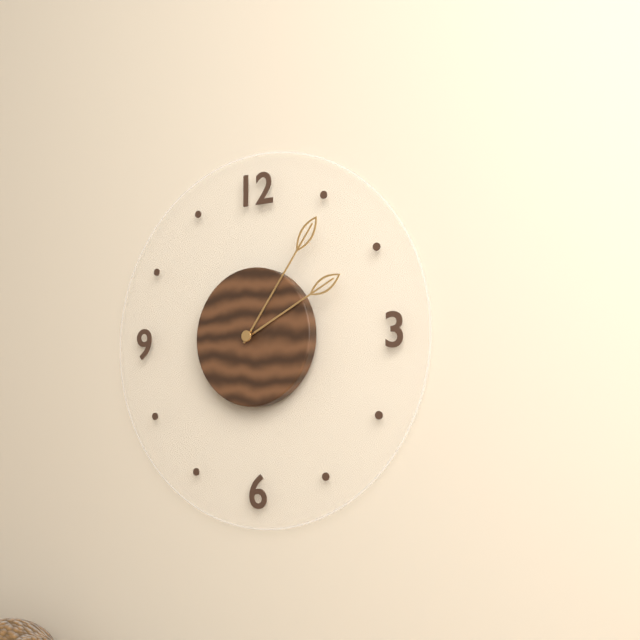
**2:06**
